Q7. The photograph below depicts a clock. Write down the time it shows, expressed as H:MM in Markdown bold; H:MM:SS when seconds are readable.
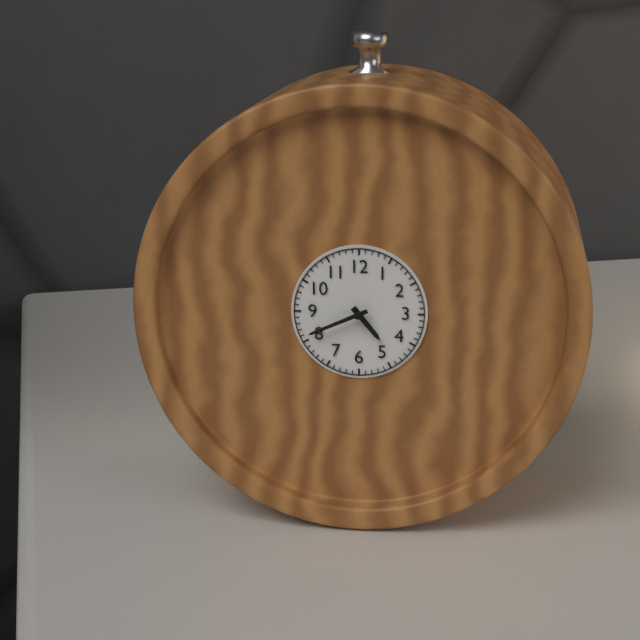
**4:41**
